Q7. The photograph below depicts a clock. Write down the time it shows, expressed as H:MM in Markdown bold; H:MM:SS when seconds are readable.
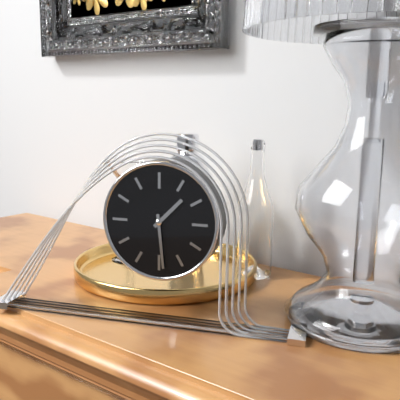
**1:29**
